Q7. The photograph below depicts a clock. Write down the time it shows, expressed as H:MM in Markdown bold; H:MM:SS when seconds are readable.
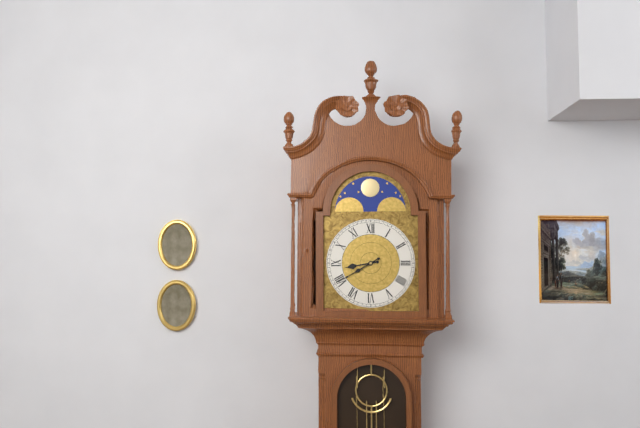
**8:40**
